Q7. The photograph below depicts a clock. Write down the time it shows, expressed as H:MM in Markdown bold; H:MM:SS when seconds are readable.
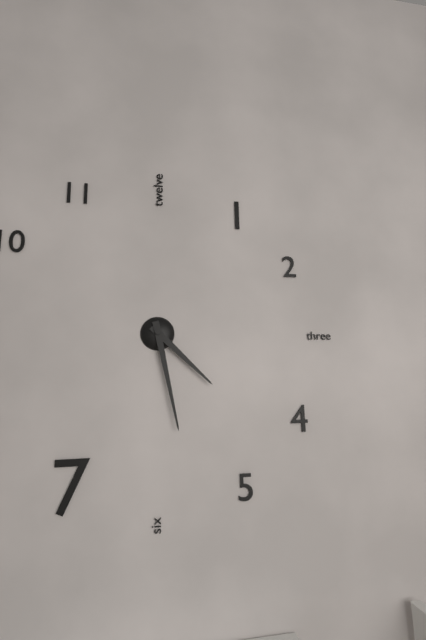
**4:28**
